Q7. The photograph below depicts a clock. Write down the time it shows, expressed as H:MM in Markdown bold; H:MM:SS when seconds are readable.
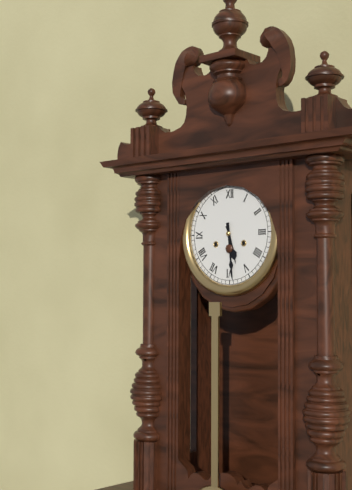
**5:29**
